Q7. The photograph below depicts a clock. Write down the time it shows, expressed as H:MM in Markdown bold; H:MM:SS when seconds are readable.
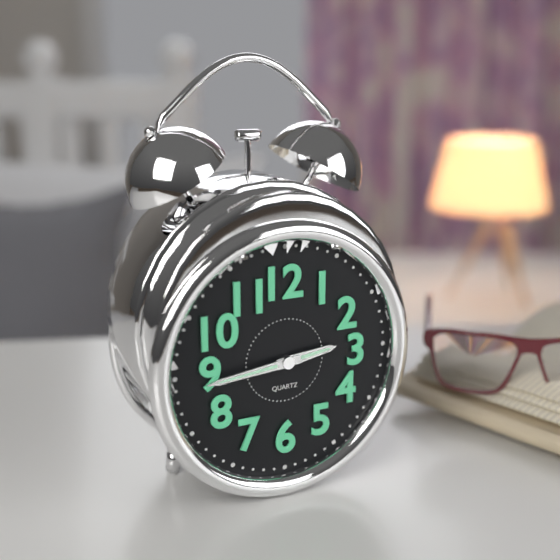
**2:44**
